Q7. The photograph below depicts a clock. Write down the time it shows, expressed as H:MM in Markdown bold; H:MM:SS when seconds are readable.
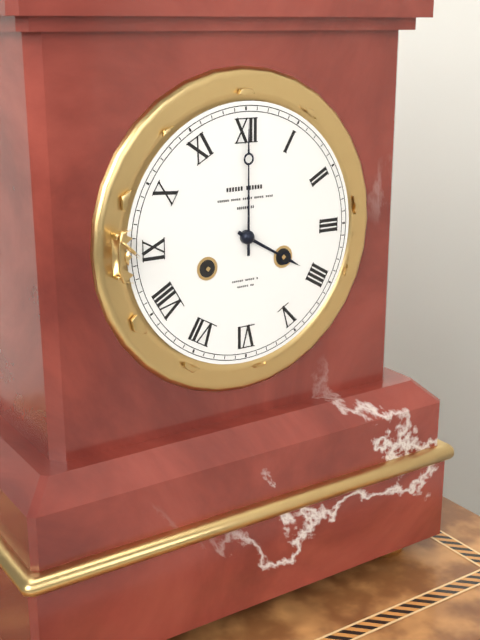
**4:00**
